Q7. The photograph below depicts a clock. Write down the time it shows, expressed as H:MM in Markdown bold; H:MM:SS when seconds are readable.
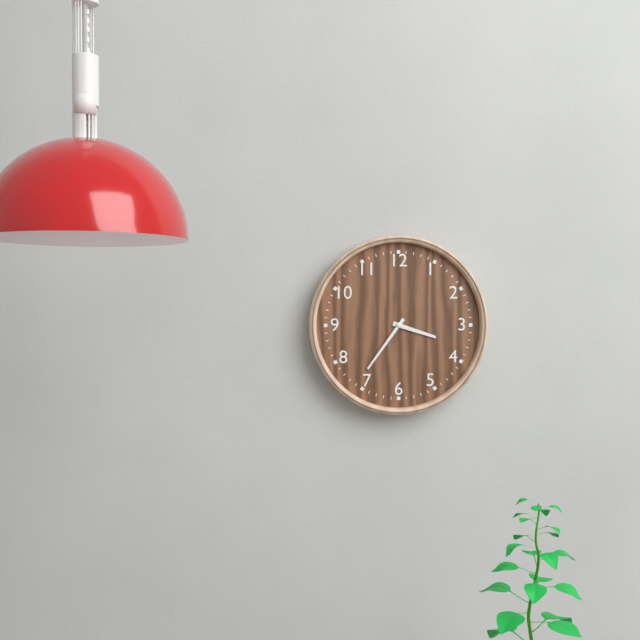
**3:36**
